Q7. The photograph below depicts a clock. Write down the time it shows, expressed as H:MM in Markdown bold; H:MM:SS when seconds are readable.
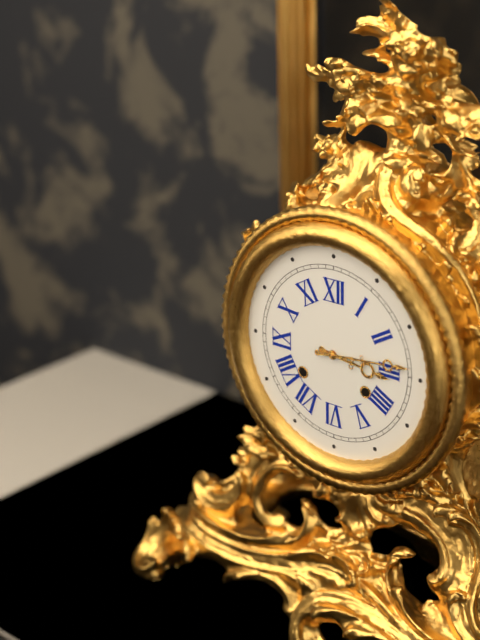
**3:14**
